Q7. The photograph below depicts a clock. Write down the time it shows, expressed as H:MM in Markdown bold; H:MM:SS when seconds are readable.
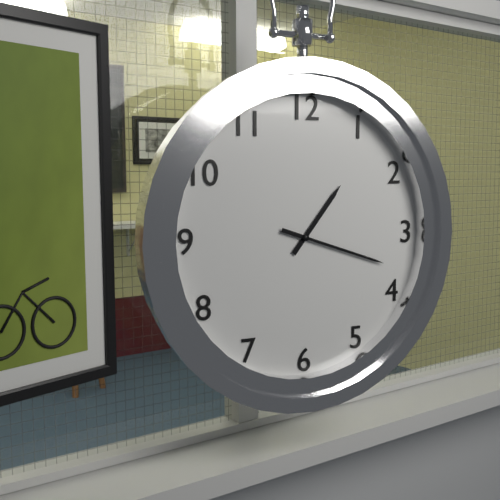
**1:18**
